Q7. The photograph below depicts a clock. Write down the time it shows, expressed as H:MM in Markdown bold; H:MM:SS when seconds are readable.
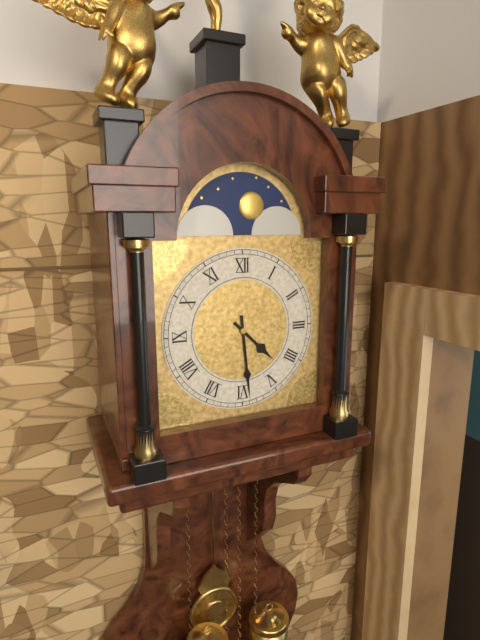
**4:29**
